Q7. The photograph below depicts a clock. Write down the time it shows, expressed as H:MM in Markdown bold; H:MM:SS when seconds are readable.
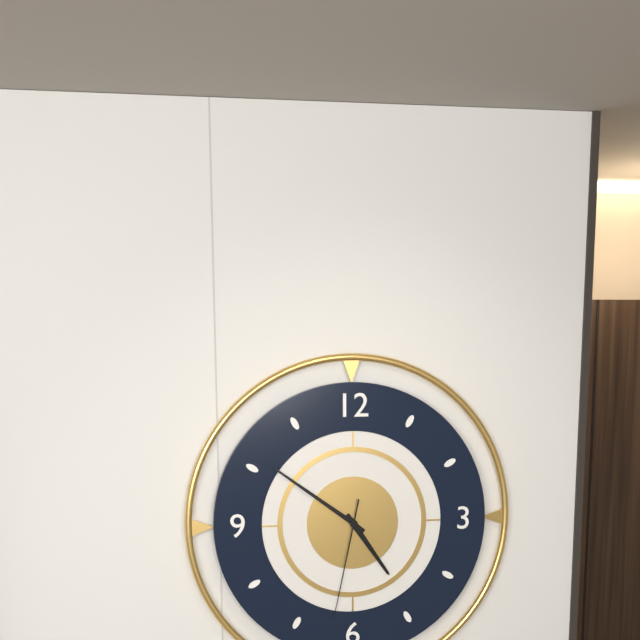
**4:51:32**
